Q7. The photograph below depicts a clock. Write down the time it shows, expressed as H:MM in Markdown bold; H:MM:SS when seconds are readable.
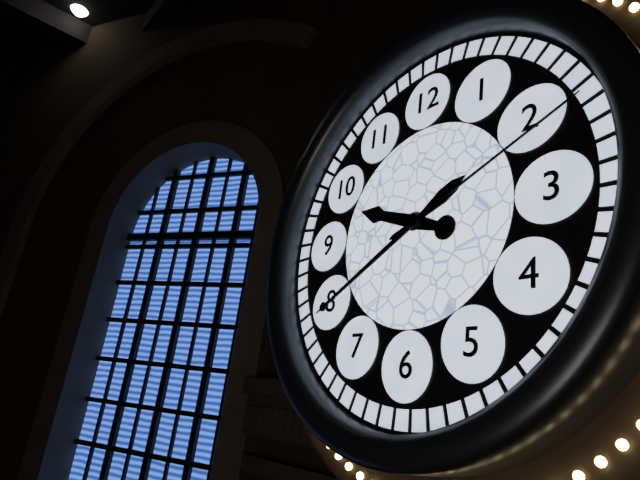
**9:40:11**
